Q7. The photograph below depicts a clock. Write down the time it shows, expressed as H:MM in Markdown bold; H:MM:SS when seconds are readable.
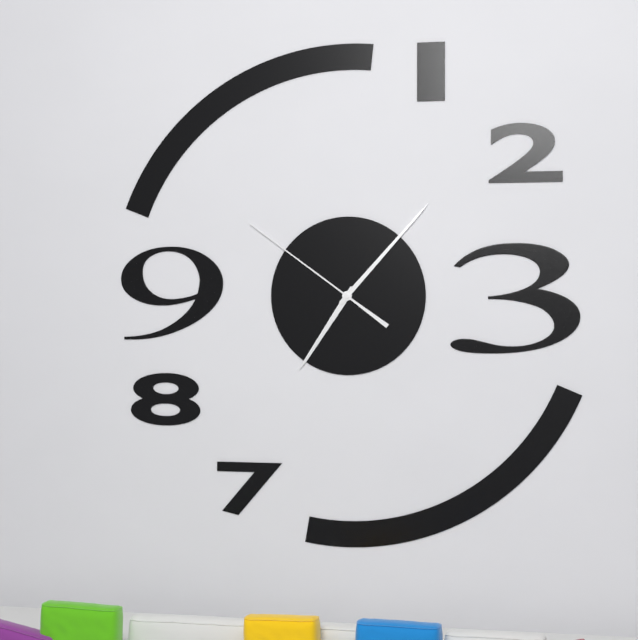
**7:07:51**
